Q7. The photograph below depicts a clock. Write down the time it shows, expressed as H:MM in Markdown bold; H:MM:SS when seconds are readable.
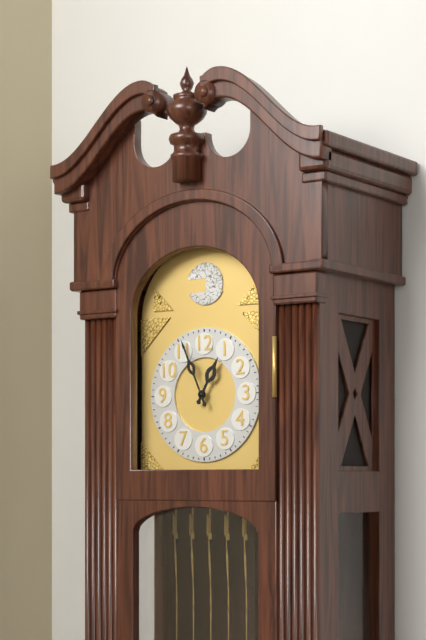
**12:56**
